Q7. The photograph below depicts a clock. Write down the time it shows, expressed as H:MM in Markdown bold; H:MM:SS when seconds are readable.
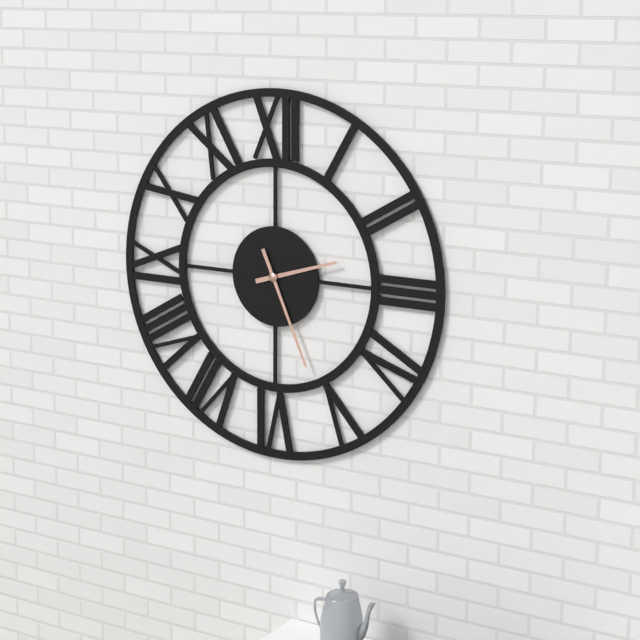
**2:26**
